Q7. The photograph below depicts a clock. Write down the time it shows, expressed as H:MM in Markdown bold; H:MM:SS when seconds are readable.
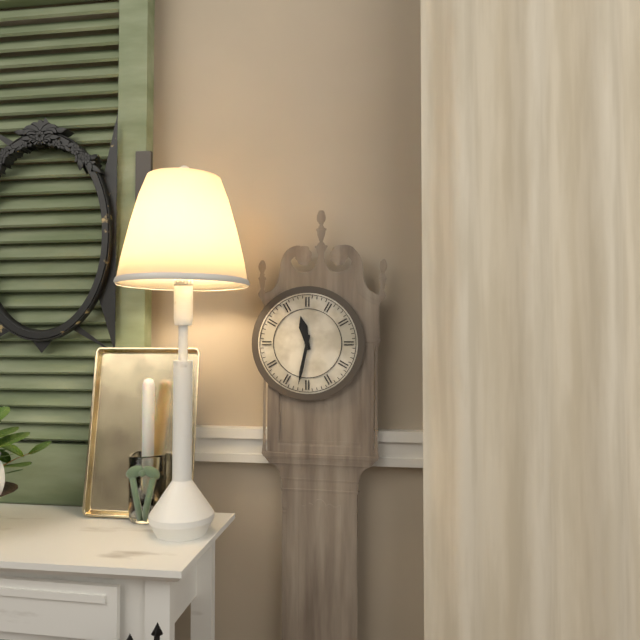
**11:32**
